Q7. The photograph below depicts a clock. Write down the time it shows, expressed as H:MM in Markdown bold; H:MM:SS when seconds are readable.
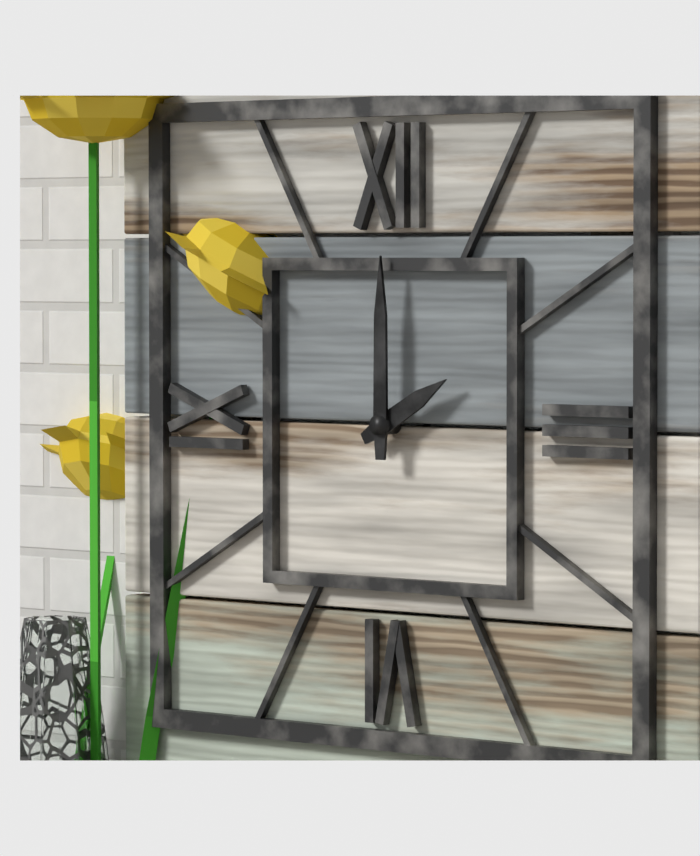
**2:00**
